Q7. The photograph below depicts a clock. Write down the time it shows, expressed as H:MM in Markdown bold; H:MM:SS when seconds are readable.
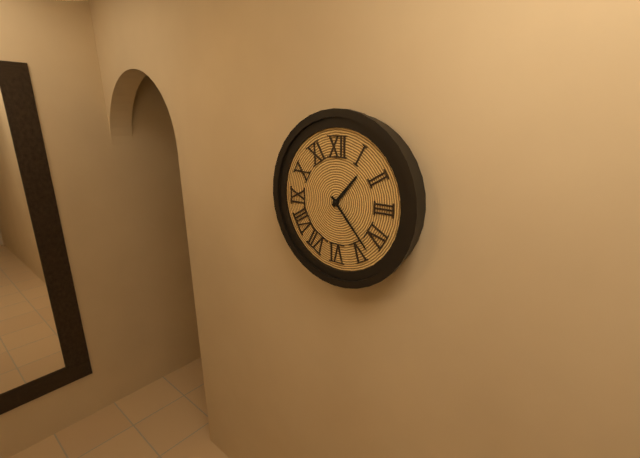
**1:23**
